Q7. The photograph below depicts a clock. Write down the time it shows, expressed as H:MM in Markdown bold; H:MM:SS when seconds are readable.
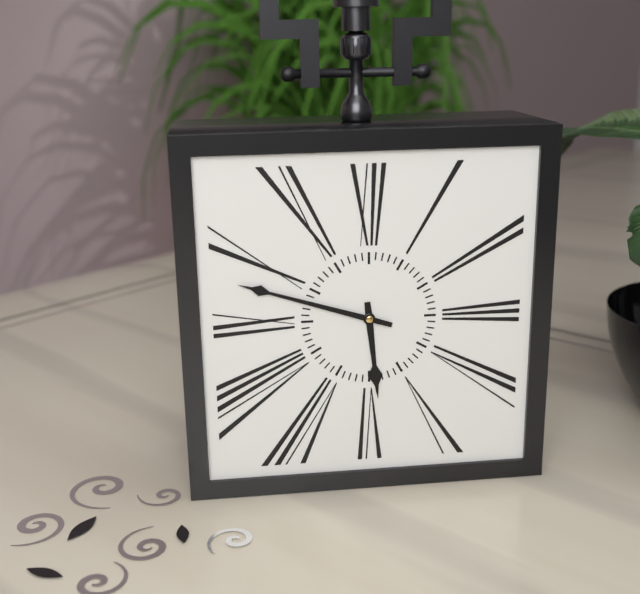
**5:48**
